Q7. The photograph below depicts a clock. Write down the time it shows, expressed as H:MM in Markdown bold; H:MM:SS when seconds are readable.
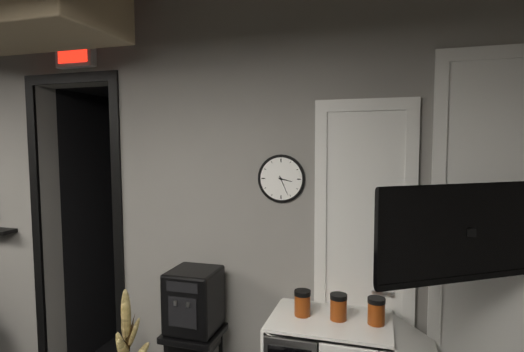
**3:26**
